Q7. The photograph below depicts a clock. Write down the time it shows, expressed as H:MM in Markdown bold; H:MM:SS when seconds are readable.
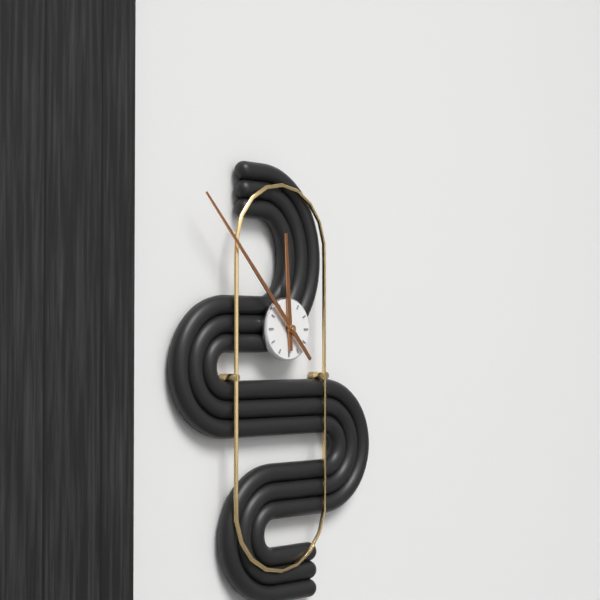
**11:53**
